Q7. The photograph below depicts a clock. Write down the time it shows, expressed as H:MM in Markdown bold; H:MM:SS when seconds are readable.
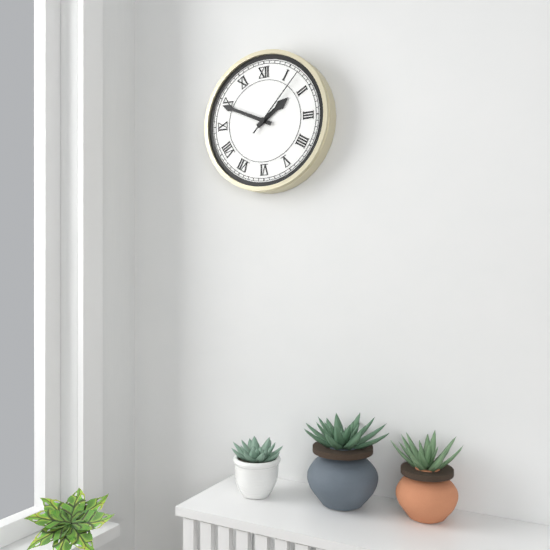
**1:49:07**
